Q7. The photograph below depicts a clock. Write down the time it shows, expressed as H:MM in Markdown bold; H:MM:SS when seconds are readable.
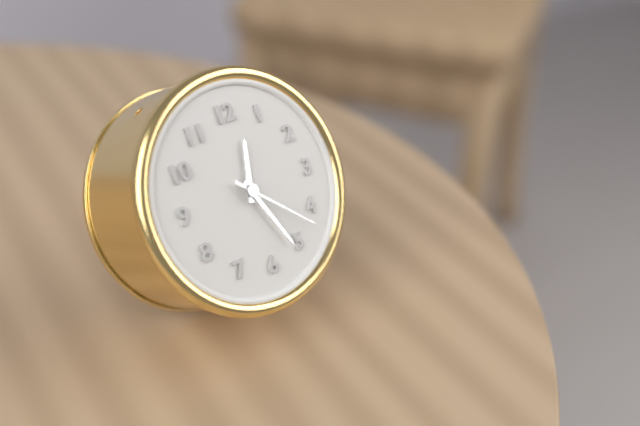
**12:26:22**
